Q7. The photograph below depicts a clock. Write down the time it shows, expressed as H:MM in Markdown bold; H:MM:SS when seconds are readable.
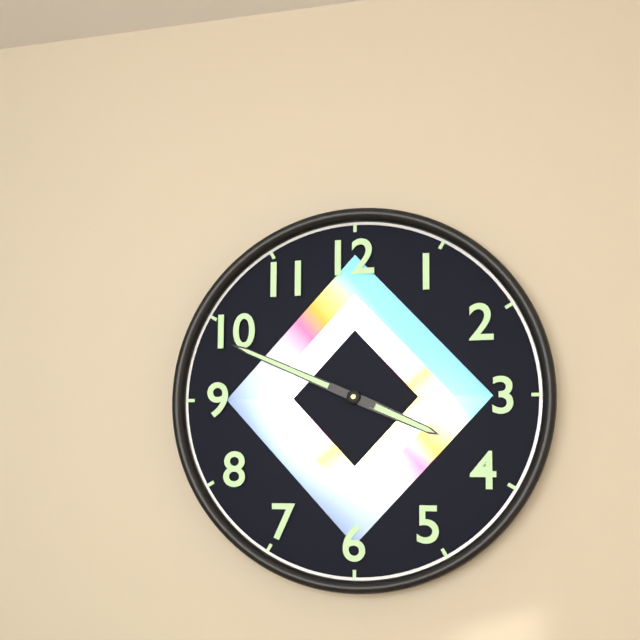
**3:49**
